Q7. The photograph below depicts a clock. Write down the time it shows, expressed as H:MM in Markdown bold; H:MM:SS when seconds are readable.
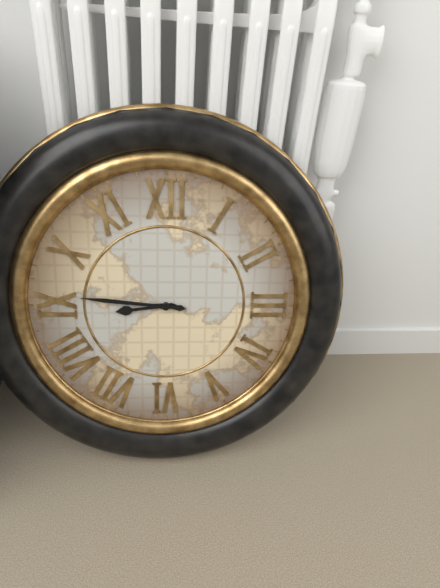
**8:46**
